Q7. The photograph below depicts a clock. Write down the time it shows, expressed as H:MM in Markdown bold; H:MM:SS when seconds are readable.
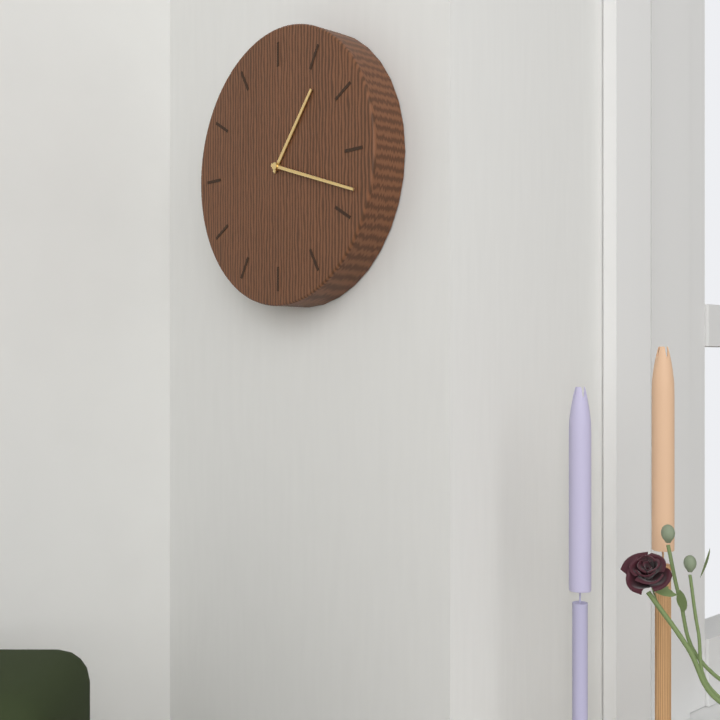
**1:18**
